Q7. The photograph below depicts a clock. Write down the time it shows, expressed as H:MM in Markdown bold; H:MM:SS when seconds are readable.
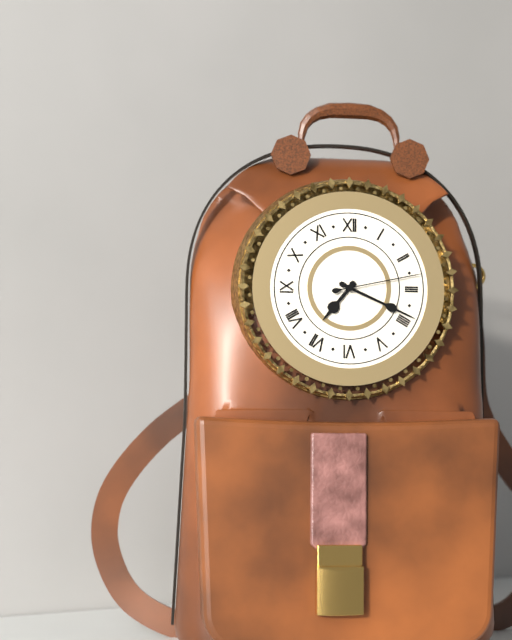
**7:19:13**
